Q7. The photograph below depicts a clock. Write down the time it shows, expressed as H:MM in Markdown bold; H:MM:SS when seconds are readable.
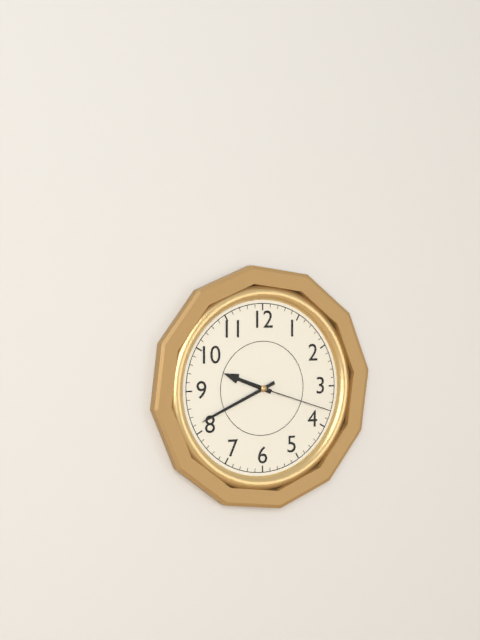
**9:41:18**
